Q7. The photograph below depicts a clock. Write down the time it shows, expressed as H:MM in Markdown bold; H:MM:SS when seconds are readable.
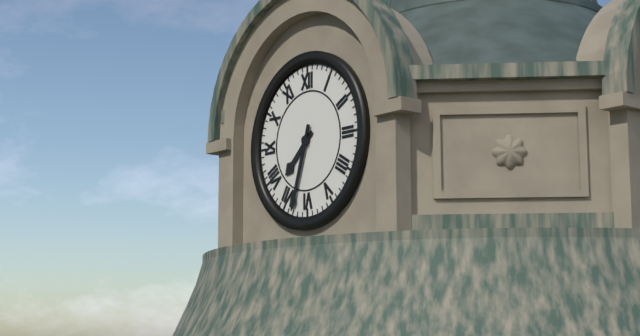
**7:33**
